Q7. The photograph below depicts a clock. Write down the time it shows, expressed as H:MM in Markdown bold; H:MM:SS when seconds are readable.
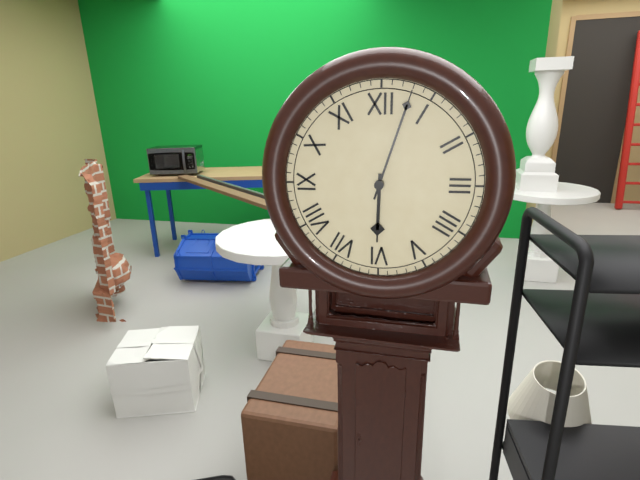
**6:03**
